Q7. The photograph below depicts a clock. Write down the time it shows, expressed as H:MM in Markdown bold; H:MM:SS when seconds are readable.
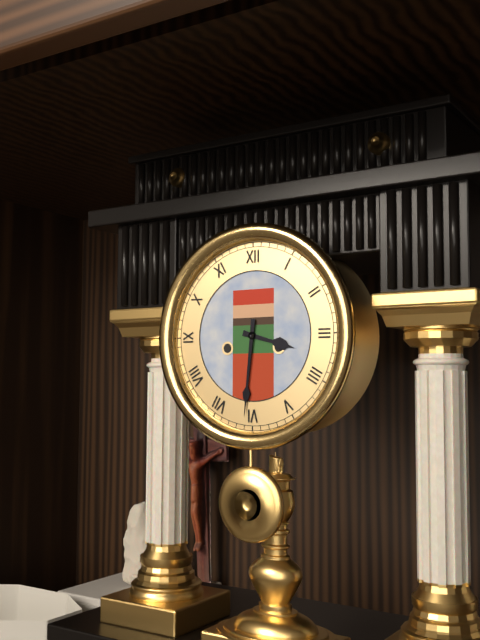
**3:31**
